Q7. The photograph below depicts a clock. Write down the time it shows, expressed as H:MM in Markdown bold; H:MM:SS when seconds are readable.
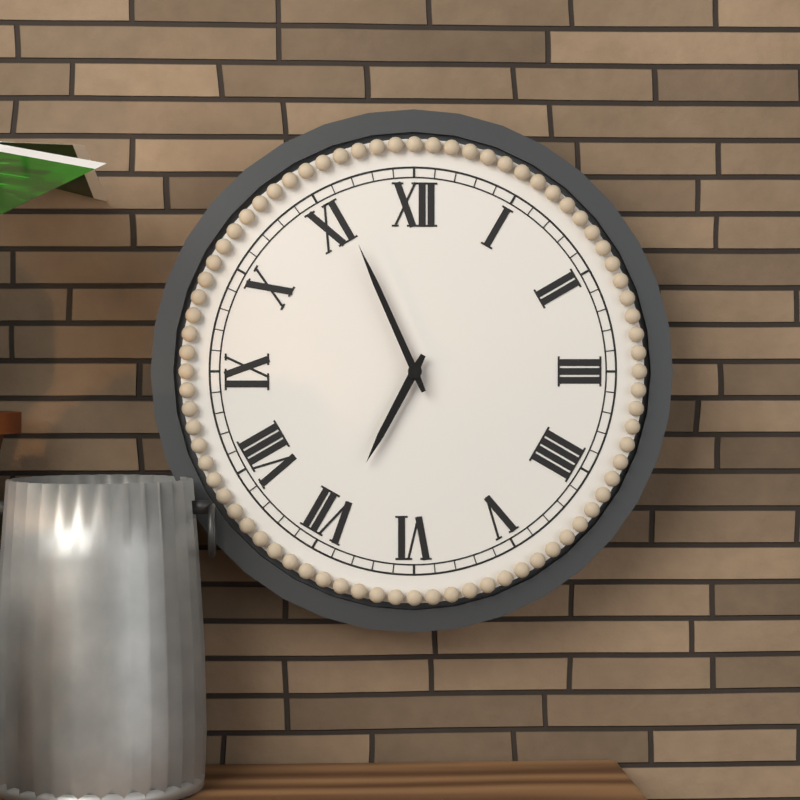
**6:56**
